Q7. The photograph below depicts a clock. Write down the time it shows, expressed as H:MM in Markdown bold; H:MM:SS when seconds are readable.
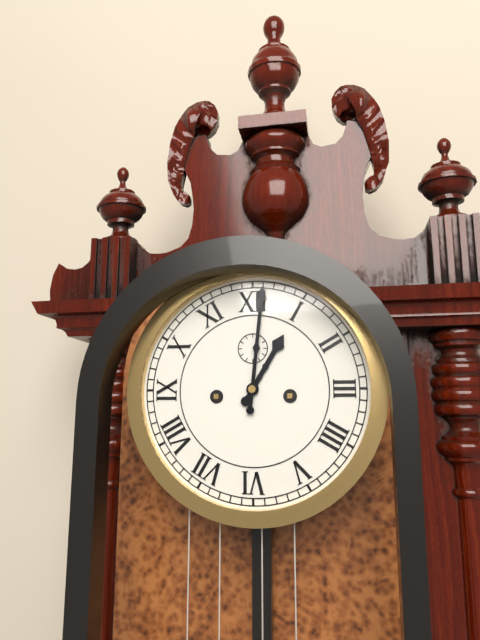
**1:01**
